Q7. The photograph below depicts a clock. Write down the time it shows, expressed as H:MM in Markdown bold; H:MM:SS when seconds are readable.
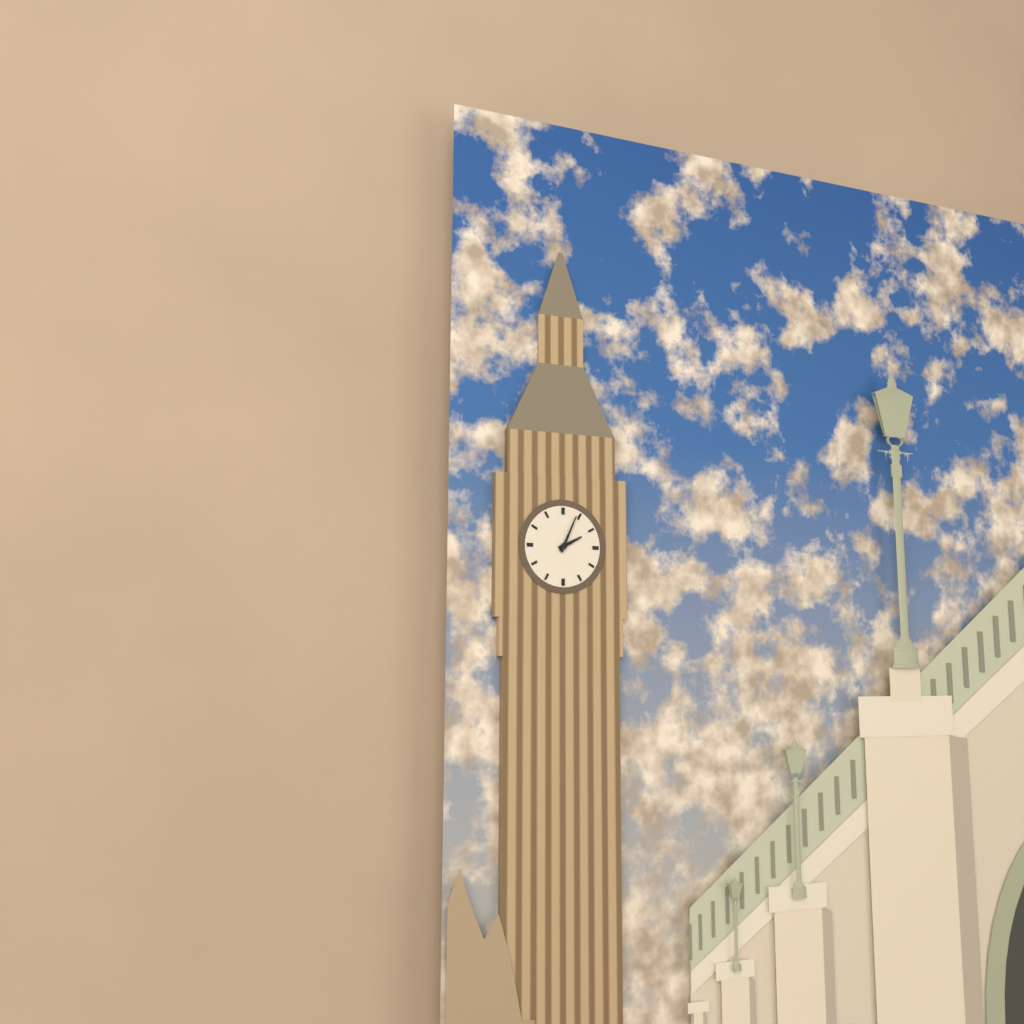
**2:04**
